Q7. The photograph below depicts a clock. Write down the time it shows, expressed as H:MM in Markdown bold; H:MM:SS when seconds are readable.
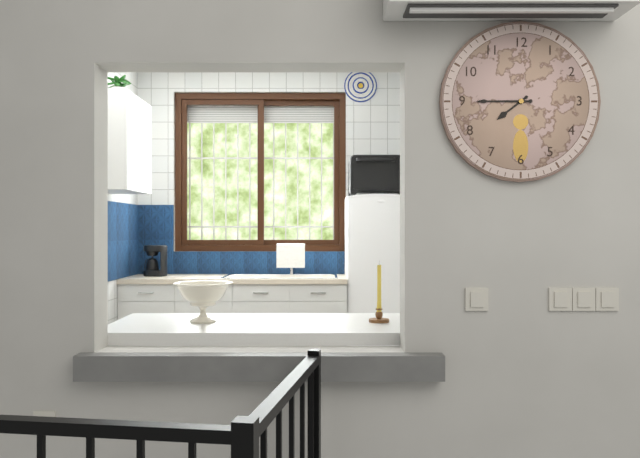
**7:45**
